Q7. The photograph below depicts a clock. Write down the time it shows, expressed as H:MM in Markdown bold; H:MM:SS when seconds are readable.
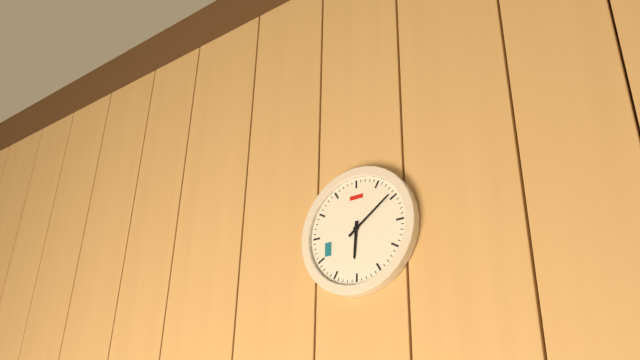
**6:09**
